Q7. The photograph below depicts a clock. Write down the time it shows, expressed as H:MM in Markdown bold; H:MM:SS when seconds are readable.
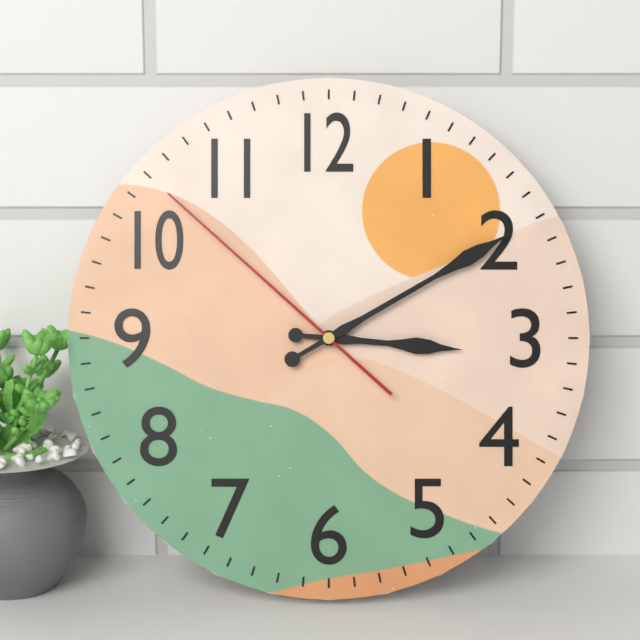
**3:10:52**
